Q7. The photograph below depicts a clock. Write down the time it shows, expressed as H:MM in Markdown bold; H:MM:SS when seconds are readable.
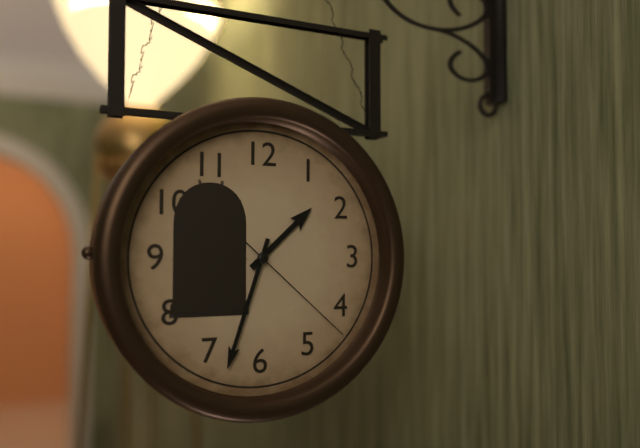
**1:33:22**
